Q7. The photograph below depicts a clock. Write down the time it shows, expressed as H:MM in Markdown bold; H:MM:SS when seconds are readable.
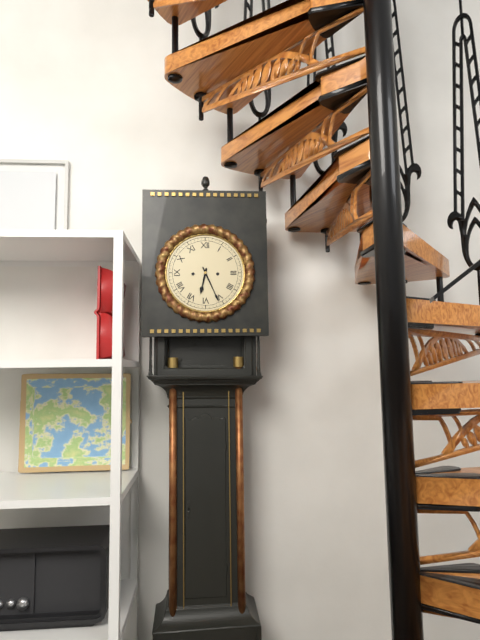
**6:26**
